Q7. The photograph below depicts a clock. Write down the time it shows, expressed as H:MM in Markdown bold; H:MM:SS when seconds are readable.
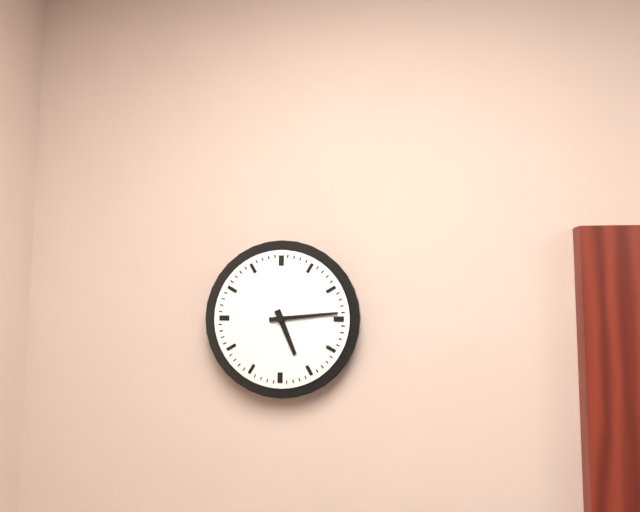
**5:14**
